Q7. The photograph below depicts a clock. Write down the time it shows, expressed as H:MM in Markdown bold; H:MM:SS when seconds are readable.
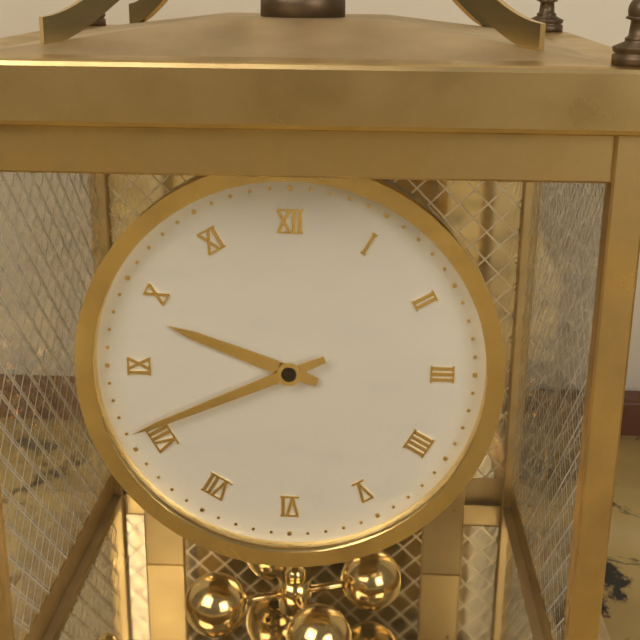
**9:41**
